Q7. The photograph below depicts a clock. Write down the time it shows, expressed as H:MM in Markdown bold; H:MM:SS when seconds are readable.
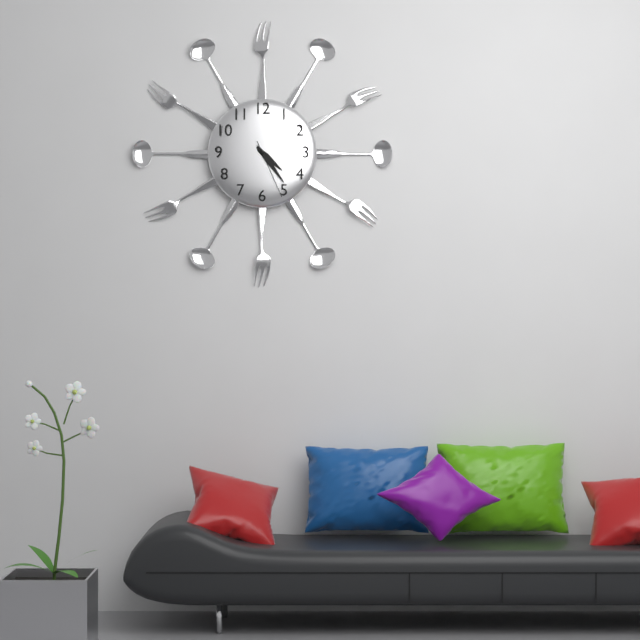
**4:24:26**
